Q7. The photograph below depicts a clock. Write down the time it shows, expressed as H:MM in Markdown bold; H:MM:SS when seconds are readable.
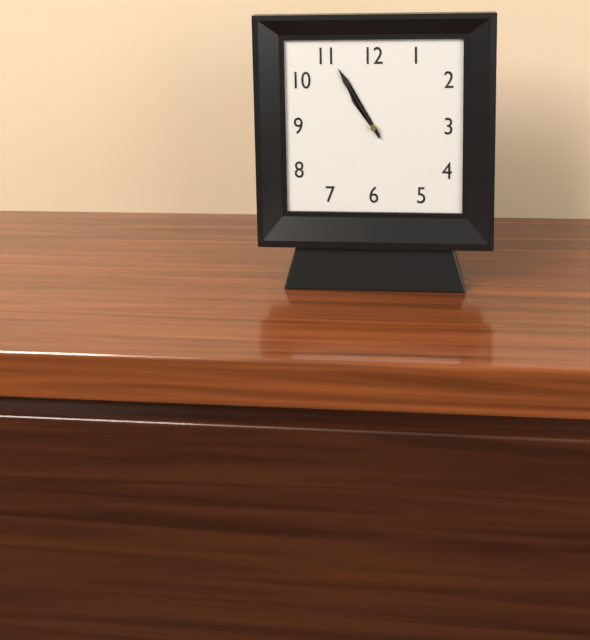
**10:55**
